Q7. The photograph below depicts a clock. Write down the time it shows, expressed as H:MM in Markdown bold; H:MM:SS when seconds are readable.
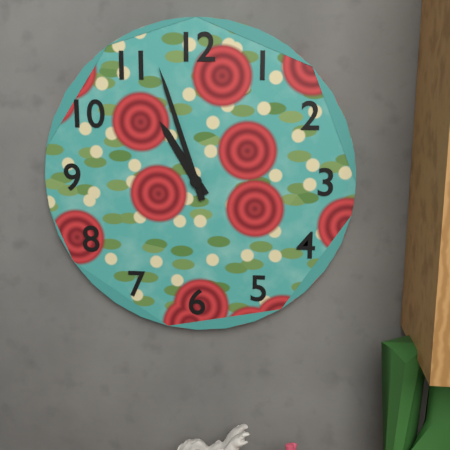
**10:57**
